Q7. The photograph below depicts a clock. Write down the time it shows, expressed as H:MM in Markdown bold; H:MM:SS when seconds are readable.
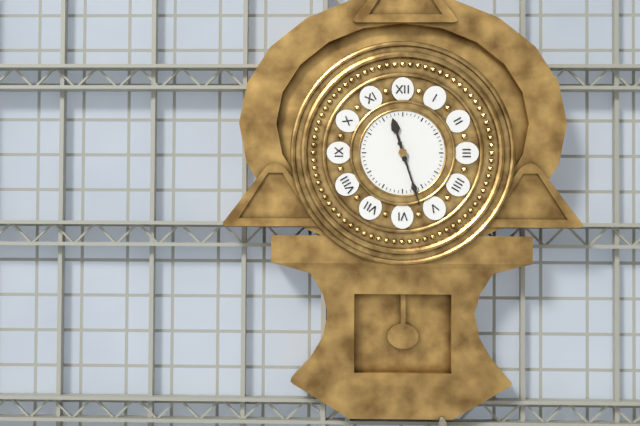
**11:27**
